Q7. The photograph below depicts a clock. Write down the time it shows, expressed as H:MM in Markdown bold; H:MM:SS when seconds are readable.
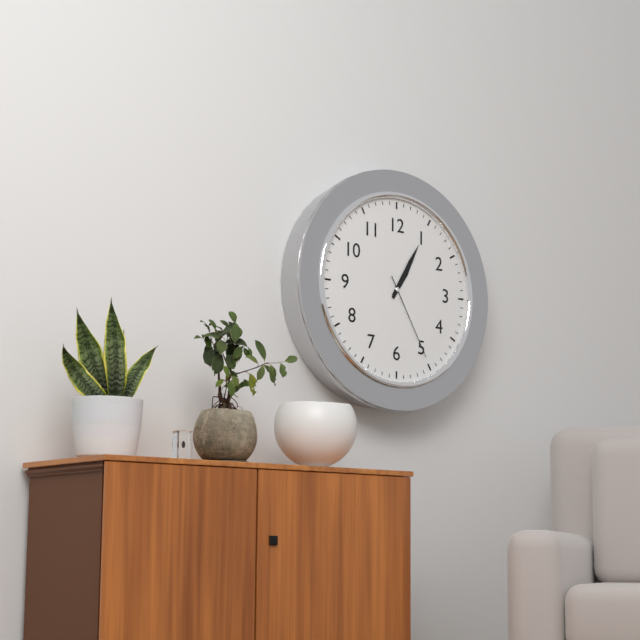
**1:05:25**
